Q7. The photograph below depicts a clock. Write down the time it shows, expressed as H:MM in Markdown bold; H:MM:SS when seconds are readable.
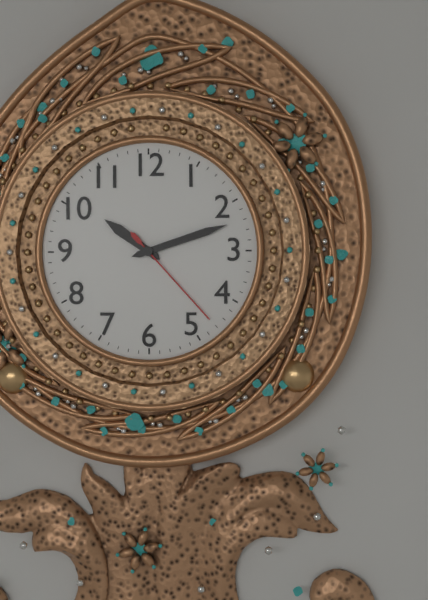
**10:12:23**
